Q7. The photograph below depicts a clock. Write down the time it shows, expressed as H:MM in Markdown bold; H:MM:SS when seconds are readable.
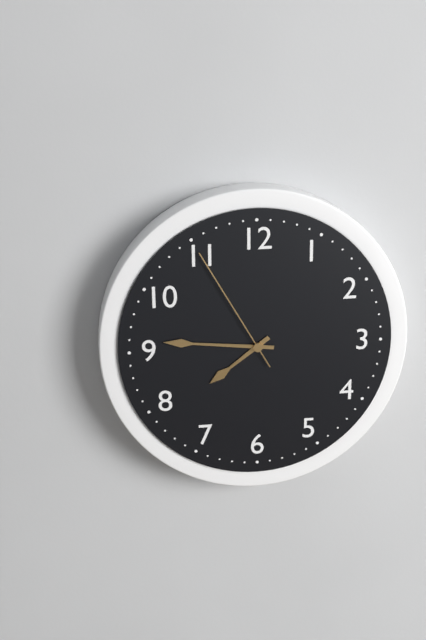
**7:46:55**
